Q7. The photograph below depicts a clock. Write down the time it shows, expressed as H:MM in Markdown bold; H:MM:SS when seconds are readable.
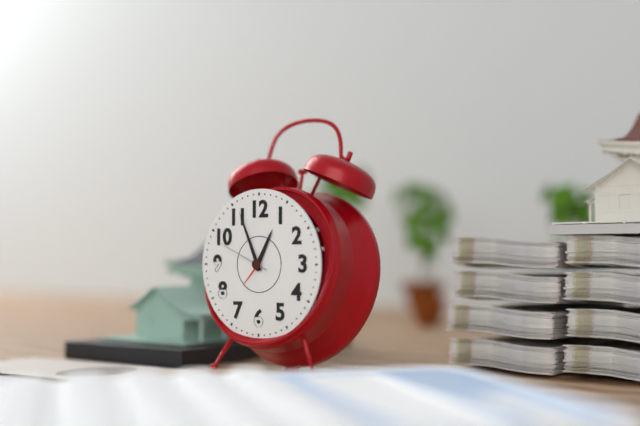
**12:56:49**
